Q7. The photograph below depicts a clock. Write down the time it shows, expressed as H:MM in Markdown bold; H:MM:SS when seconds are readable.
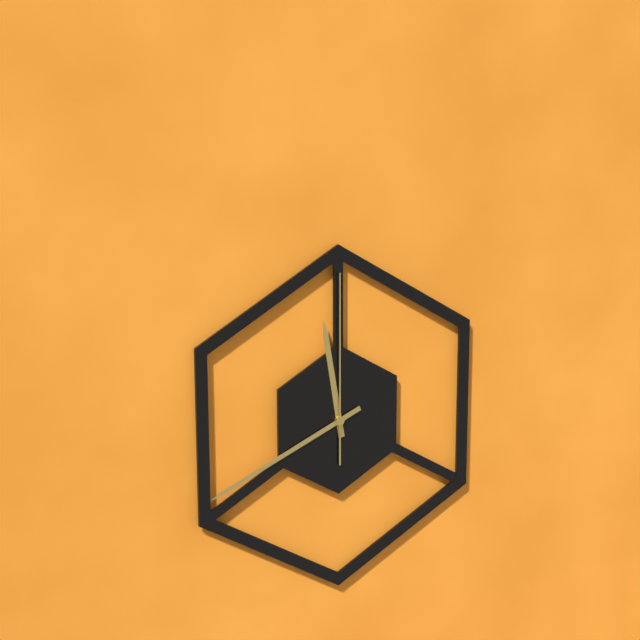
**11:41:00**
